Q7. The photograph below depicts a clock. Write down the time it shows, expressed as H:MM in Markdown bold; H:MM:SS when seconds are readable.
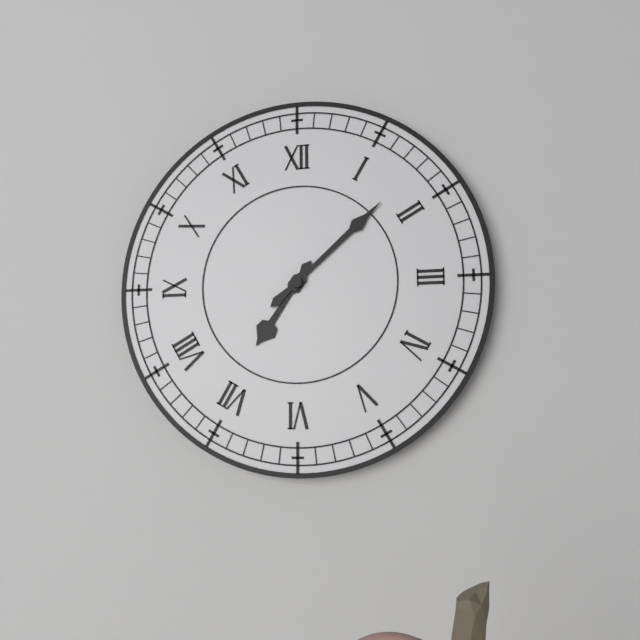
**7:08**
